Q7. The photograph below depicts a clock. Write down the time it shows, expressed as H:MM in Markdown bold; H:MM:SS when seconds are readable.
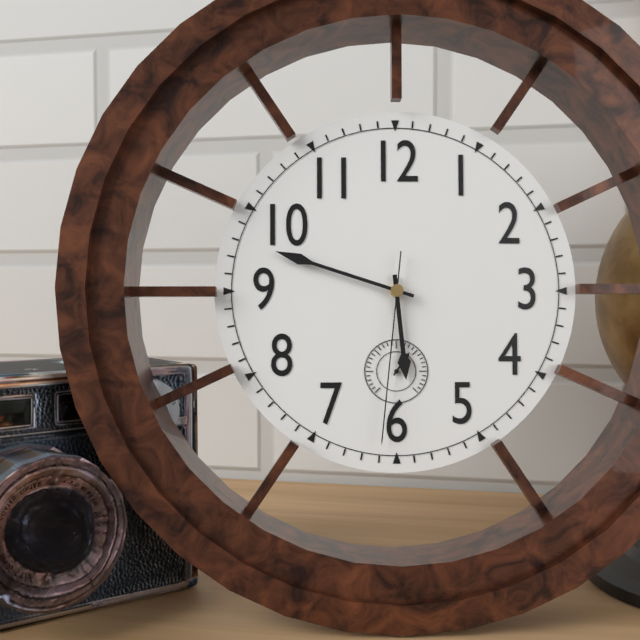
**5:48:31**
